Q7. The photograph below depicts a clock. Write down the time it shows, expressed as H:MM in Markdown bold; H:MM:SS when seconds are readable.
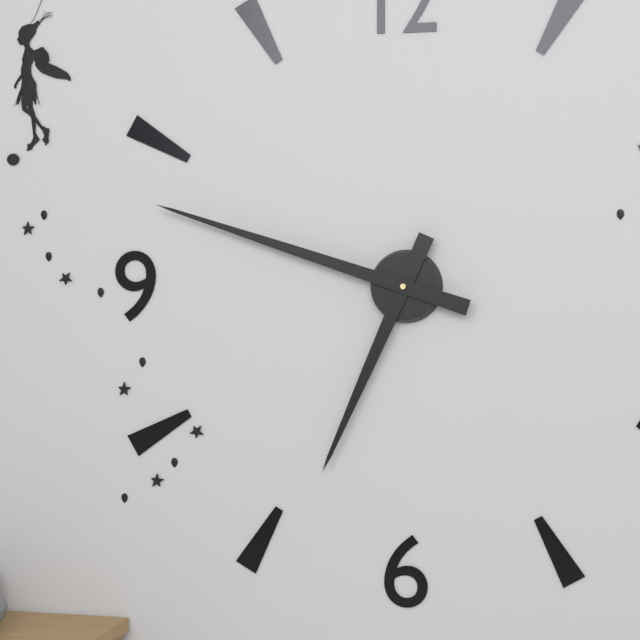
**6:48**
